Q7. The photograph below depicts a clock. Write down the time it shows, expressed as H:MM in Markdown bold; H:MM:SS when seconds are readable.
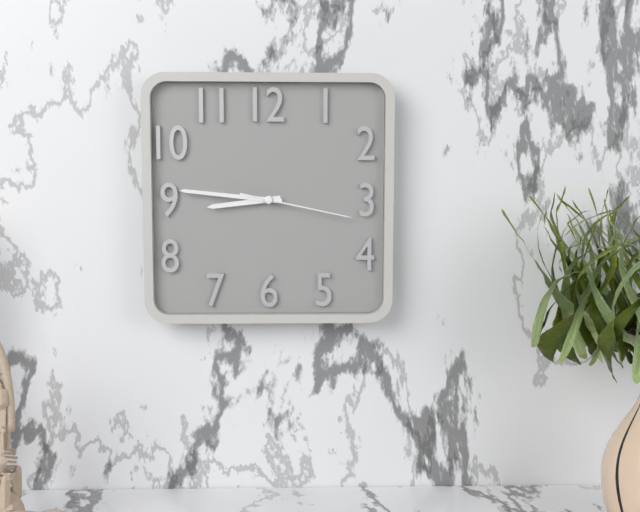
**8:46:17**
